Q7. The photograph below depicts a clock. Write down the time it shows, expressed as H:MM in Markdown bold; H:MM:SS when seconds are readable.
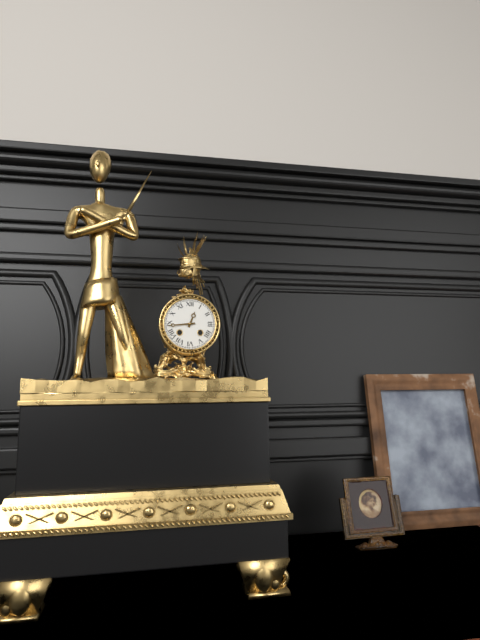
**12:44**
